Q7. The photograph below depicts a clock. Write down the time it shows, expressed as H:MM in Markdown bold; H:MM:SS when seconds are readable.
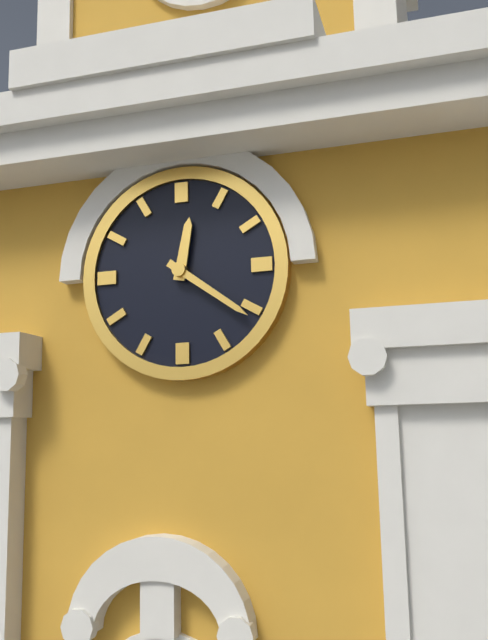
**12:21**
